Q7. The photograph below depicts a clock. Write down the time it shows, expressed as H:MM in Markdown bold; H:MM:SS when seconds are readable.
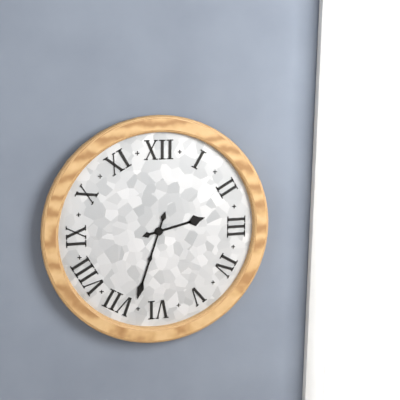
**2:33**
